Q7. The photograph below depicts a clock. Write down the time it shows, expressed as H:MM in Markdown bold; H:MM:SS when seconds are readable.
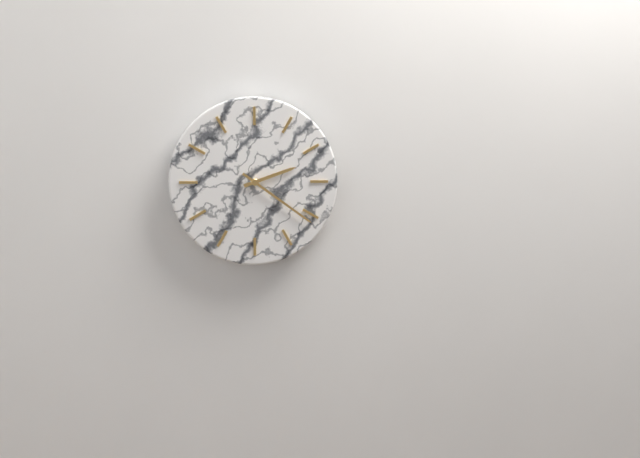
**2:21**
